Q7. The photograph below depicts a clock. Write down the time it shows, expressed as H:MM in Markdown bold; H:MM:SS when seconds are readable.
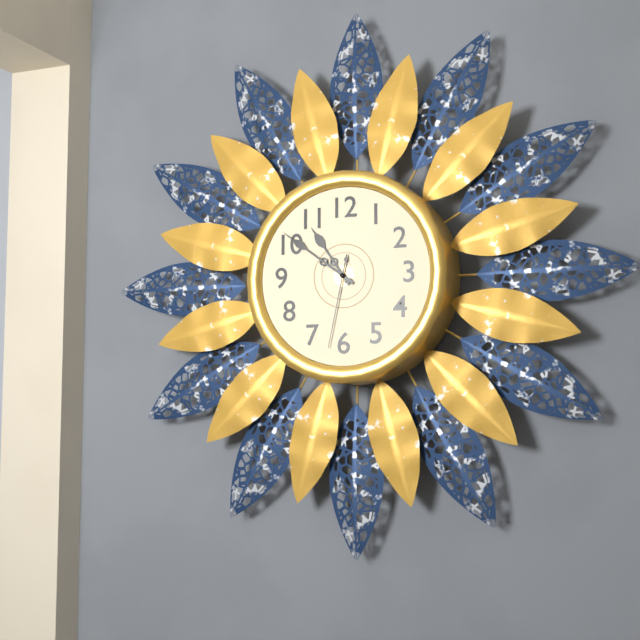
**10:51:32**
